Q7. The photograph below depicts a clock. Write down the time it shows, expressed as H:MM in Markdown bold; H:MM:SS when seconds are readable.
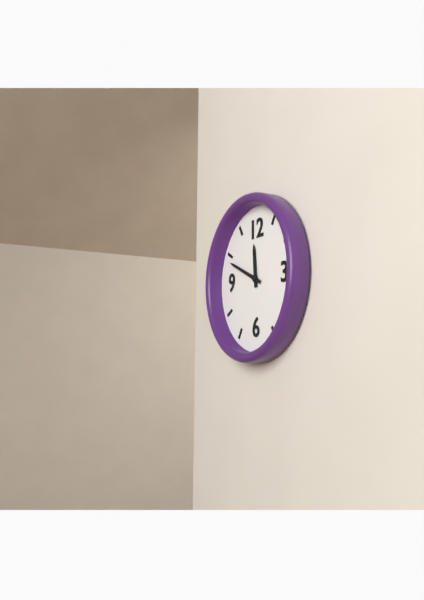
**11:49**
